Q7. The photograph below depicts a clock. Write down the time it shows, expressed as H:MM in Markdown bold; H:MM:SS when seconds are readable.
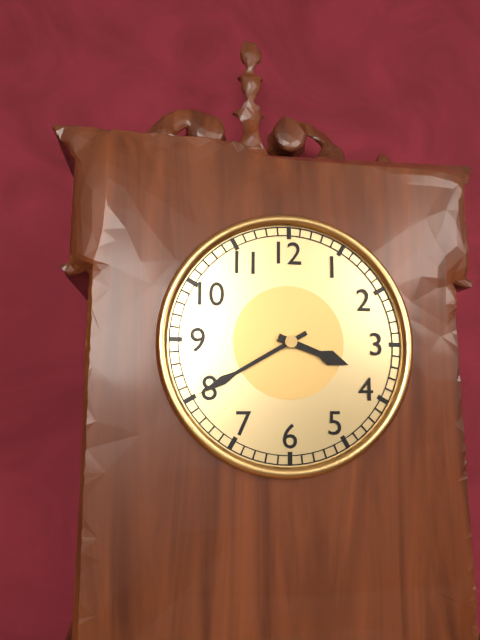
**3:40**
